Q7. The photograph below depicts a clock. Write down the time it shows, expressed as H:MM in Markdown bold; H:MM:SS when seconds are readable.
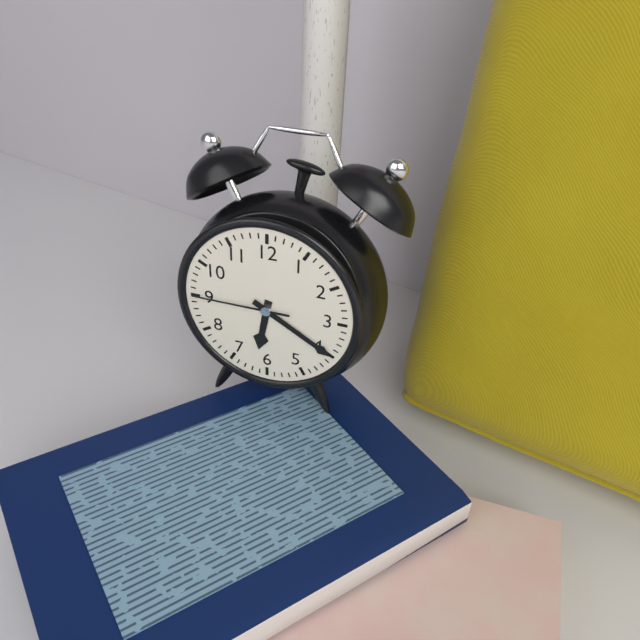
**6:20:45**
